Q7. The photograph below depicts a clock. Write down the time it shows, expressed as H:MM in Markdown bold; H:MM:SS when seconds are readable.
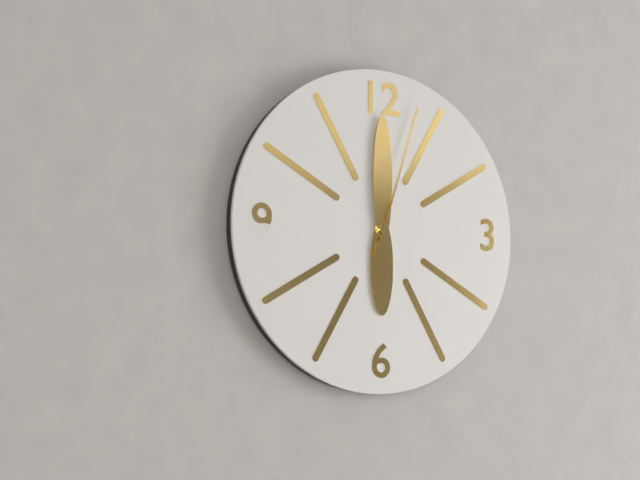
**6:00:03**
